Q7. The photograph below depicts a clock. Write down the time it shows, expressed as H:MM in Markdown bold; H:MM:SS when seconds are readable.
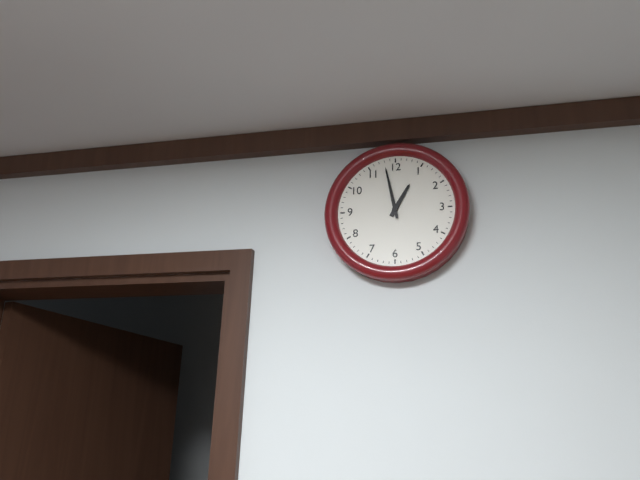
**12:58**
